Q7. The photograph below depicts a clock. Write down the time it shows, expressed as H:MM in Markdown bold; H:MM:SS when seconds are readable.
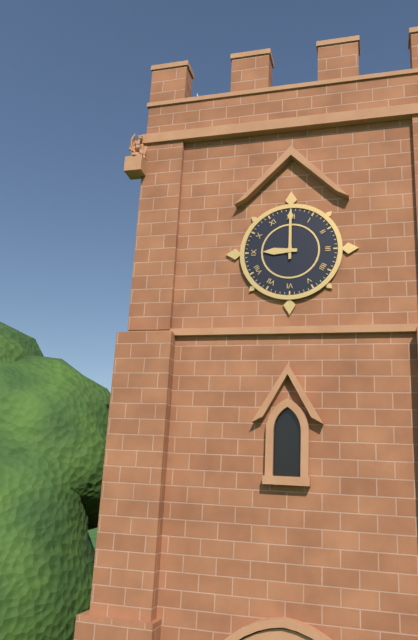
**9:00**
